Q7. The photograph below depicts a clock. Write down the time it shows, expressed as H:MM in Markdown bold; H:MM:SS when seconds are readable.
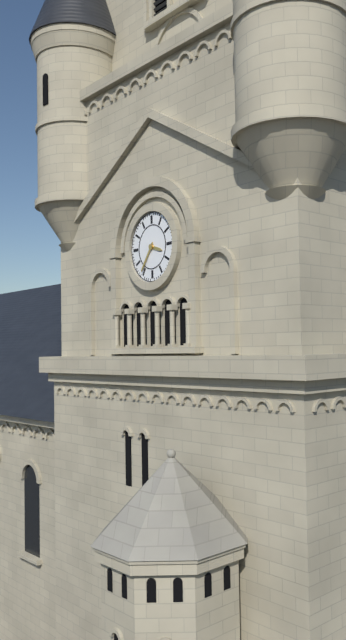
**3:36**
